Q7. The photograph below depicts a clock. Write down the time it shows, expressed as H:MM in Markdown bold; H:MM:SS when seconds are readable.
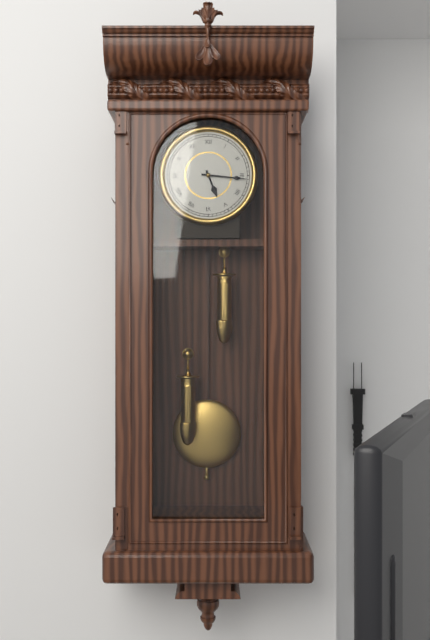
**5:16**
